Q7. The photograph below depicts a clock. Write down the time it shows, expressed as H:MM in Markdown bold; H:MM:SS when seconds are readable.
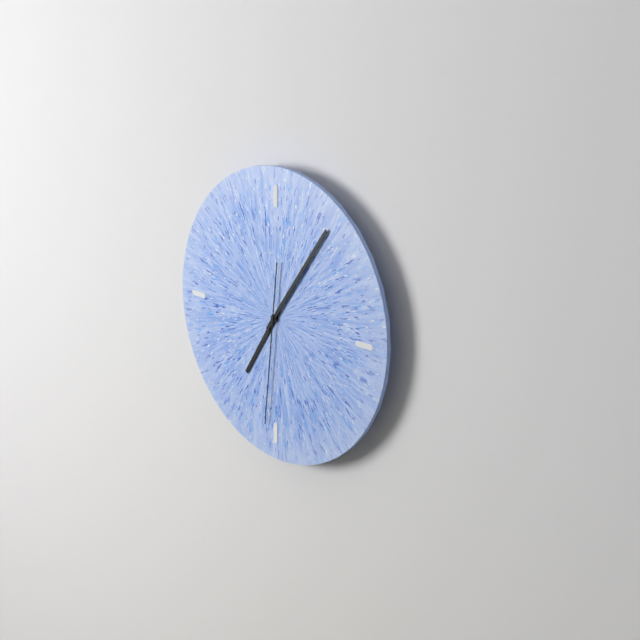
**7:06:31**
